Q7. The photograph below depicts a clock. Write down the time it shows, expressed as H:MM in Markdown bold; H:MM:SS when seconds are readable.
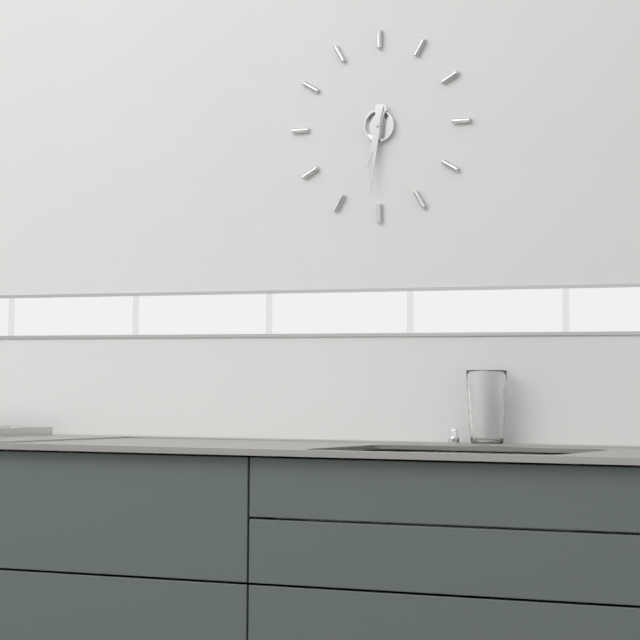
**6:31**
